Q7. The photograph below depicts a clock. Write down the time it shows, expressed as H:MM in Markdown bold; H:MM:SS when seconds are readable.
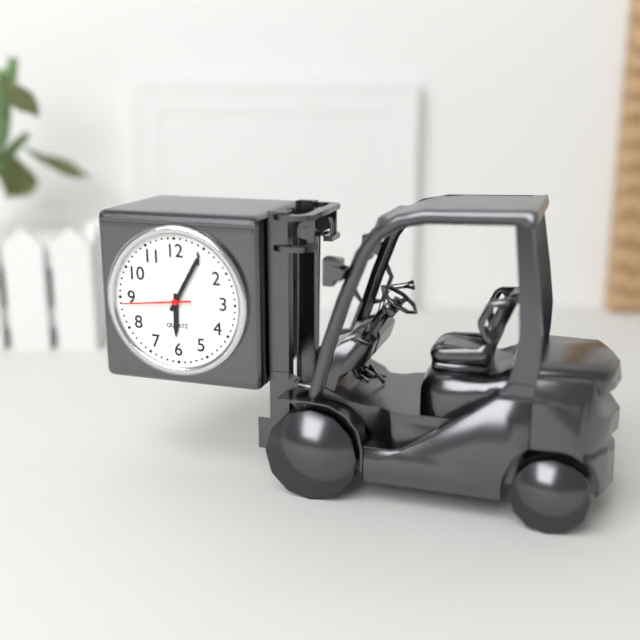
**6:05:44**
